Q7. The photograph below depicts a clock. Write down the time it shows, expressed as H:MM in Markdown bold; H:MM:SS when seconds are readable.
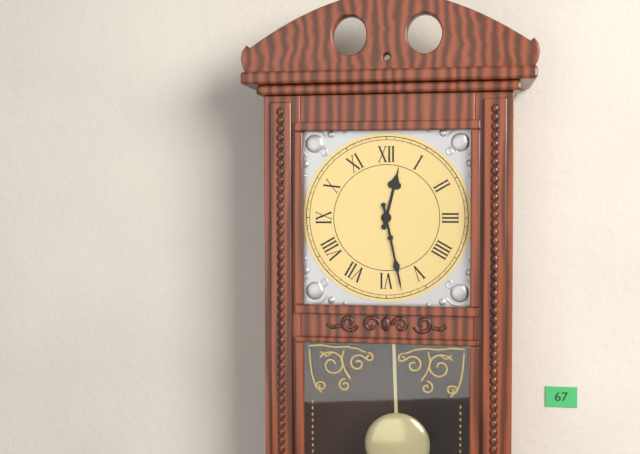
**12:28**
